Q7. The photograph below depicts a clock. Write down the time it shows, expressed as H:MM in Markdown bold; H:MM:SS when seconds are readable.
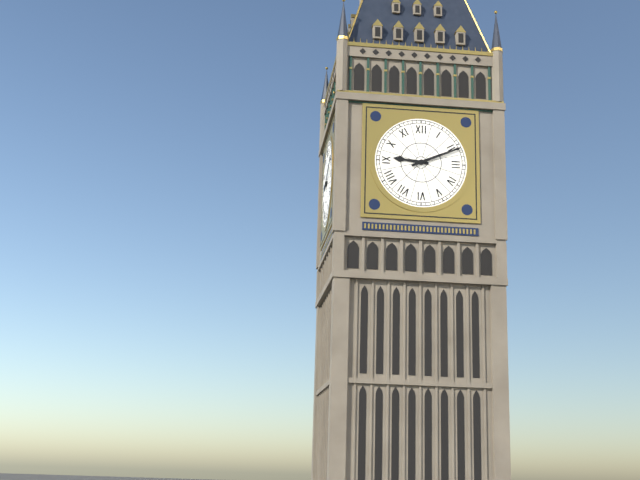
**9:11**
